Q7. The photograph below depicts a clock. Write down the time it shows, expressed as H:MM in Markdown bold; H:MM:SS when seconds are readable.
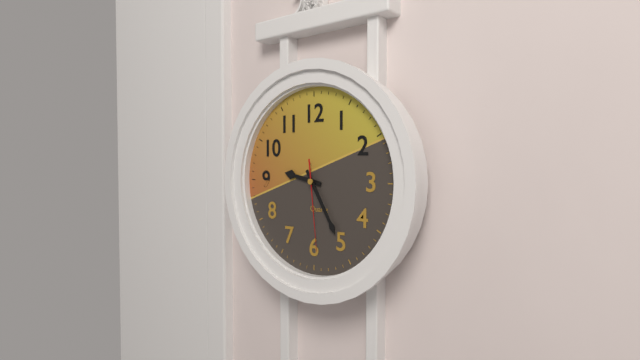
**9:25:29**
